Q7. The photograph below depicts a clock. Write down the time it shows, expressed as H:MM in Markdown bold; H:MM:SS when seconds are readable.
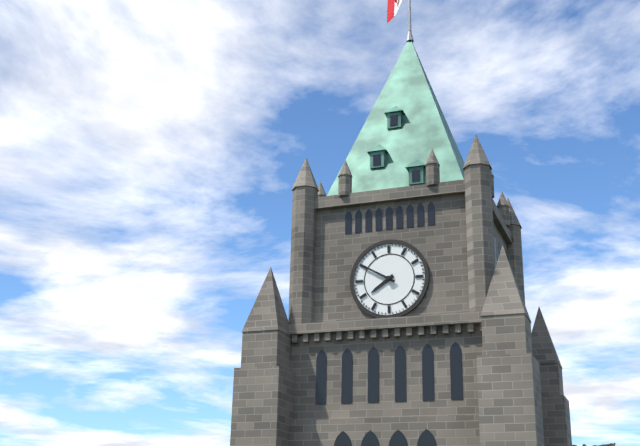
**7:50**
